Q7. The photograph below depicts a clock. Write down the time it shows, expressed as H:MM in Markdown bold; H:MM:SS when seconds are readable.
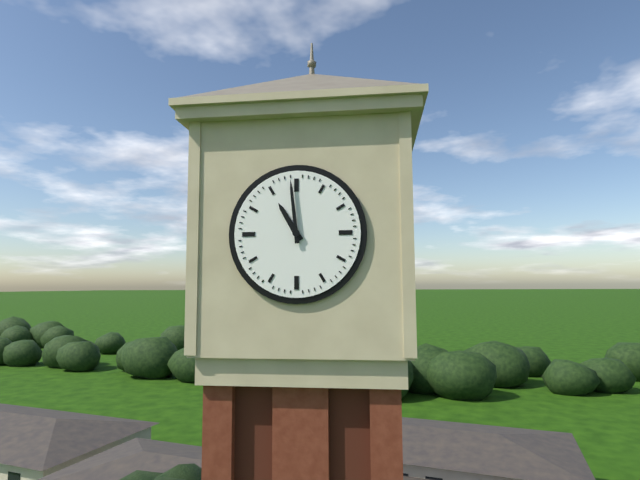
**10:59**
